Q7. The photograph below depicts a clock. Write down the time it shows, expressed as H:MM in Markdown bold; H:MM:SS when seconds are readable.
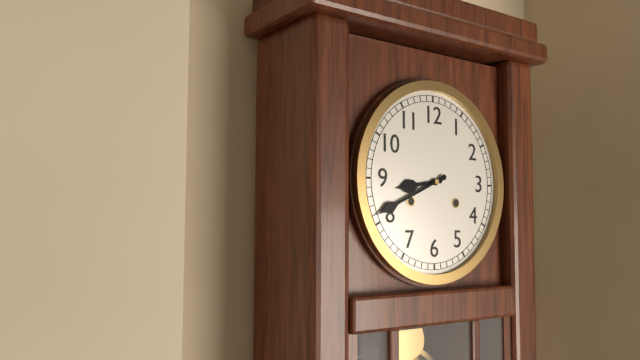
**8:41**
